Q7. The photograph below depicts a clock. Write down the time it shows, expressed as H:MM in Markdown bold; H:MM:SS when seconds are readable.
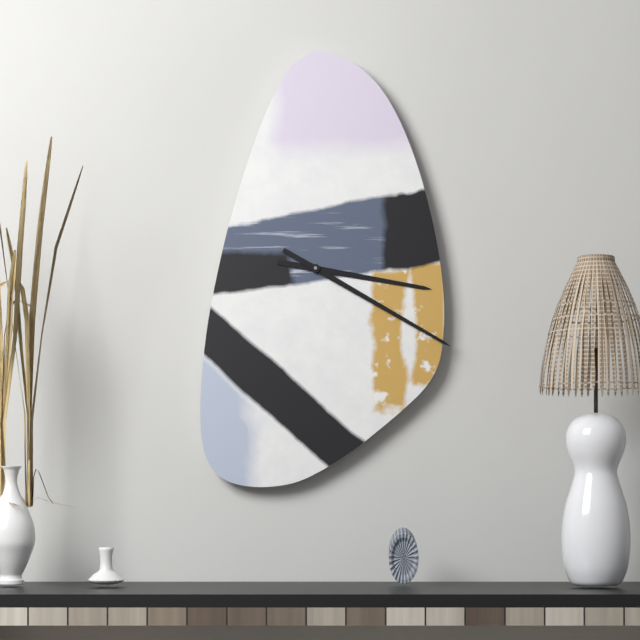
**3:20**
